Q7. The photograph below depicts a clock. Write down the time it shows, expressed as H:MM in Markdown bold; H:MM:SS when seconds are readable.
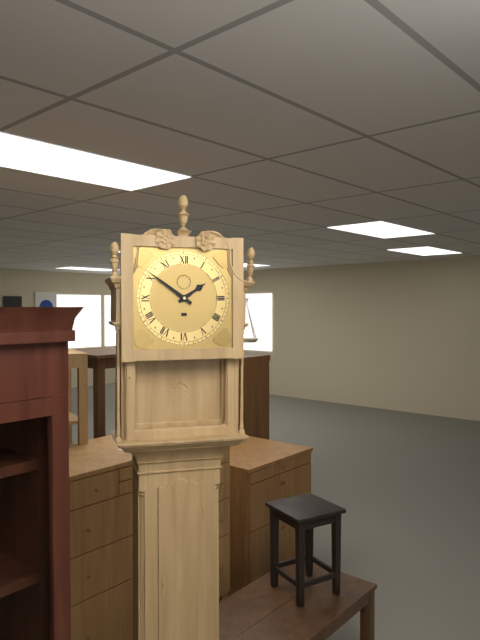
**1:51**
